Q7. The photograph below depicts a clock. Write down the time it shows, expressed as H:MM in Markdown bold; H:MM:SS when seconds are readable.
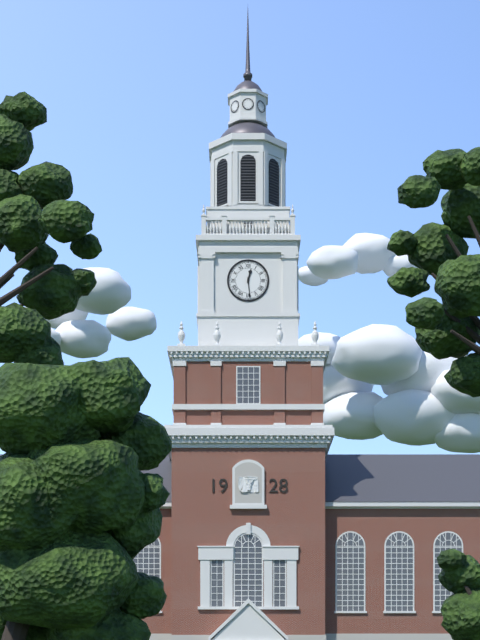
**12:29**
